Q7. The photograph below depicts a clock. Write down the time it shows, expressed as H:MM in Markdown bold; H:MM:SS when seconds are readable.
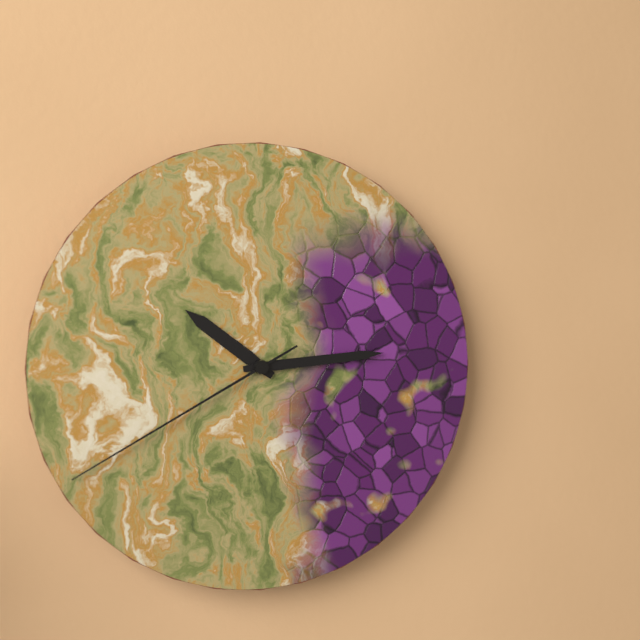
**10:14:40**
